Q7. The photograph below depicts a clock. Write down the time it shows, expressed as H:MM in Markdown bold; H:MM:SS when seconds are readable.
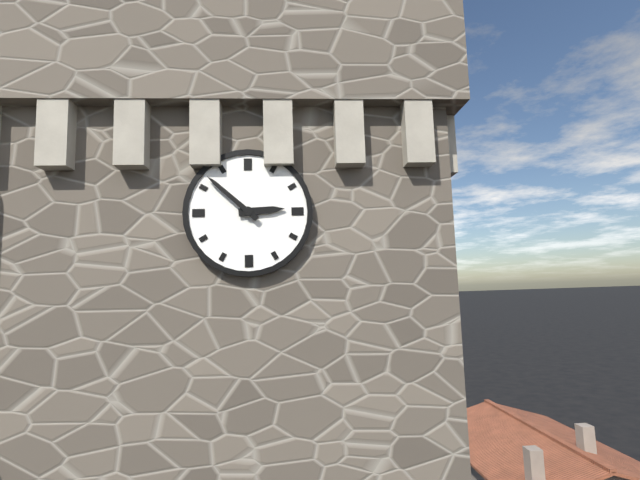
**2:52**
